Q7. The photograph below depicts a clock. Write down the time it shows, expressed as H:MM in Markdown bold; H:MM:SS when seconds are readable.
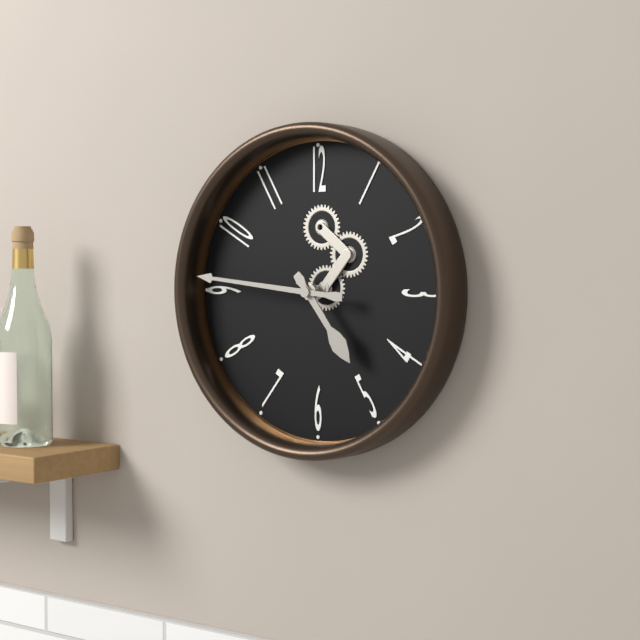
**4:46**
